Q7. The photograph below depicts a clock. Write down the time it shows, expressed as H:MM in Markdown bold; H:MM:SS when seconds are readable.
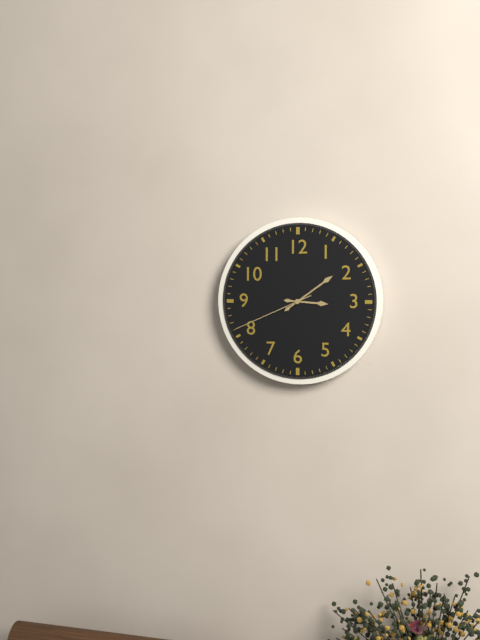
**3:09:41**
